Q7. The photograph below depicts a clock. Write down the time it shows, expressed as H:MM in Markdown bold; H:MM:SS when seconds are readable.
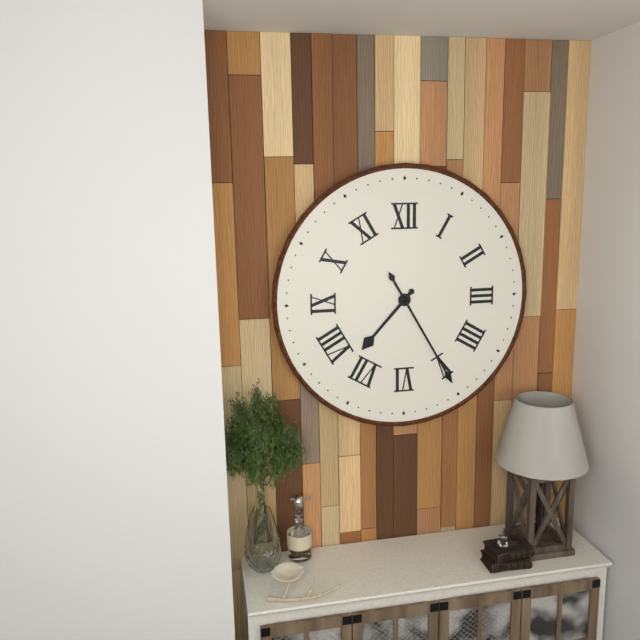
**7:25**
